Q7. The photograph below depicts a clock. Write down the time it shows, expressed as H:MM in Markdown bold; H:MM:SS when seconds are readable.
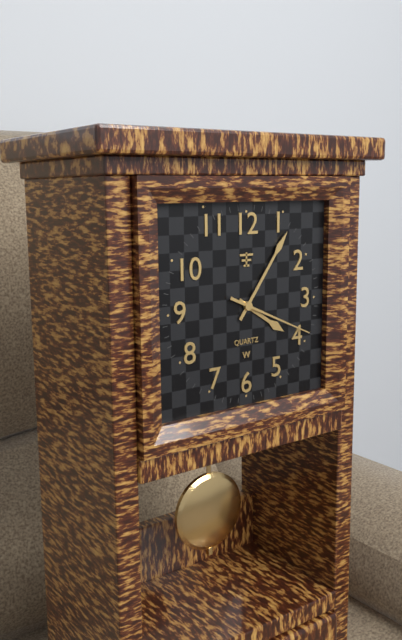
**4:06:19**
